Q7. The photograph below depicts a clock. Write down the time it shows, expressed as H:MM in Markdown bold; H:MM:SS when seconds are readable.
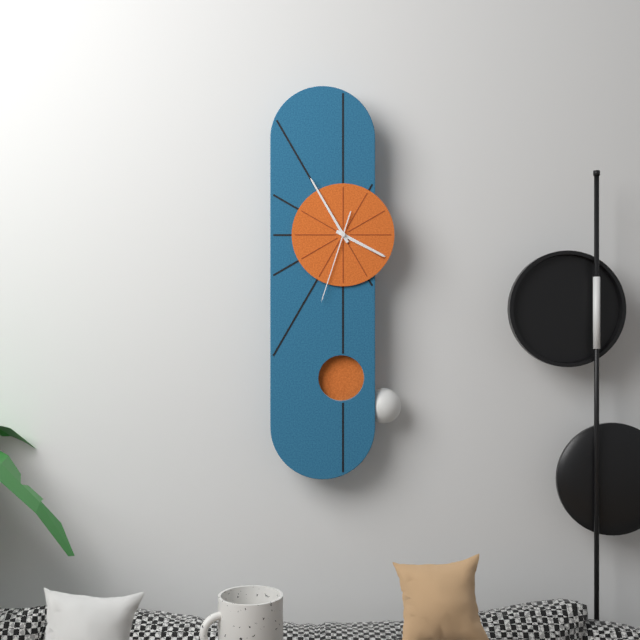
**3:55:33**
